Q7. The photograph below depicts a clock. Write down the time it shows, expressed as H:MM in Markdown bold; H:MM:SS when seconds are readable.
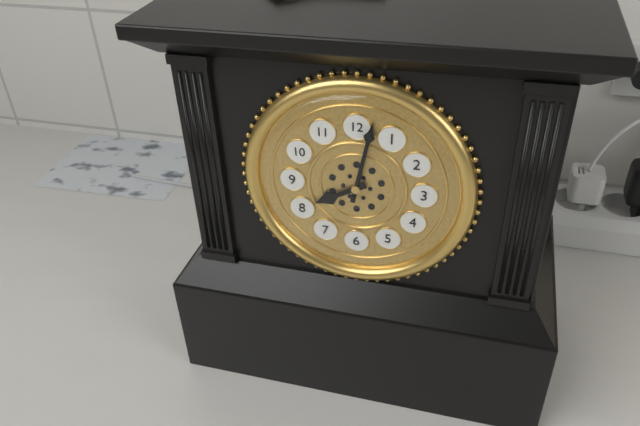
**8:02**
